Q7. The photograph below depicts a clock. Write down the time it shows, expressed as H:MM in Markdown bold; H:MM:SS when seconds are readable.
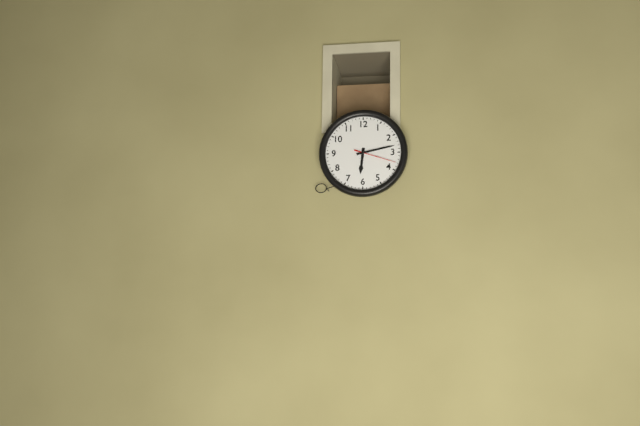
**6:13**
